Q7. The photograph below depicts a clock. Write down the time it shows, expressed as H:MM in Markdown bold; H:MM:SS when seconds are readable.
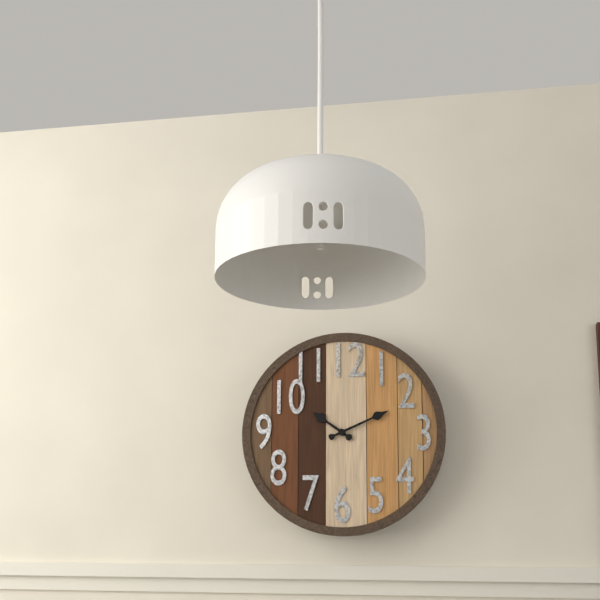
**10:11**
